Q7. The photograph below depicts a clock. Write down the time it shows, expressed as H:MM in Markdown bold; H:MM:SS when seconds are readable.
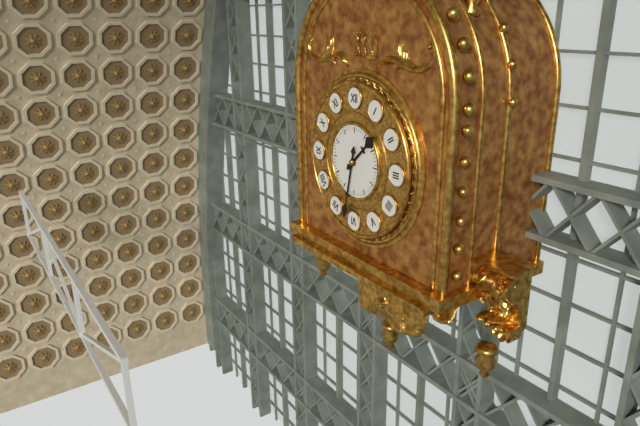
**1:32**
